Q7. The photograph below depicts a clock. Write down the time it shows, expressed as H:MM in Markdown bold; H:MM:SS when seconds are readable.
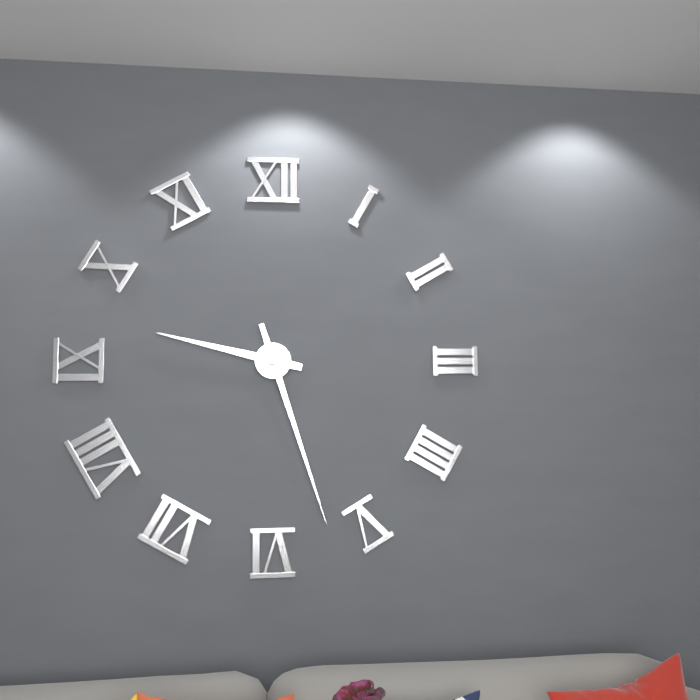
**9:27**
